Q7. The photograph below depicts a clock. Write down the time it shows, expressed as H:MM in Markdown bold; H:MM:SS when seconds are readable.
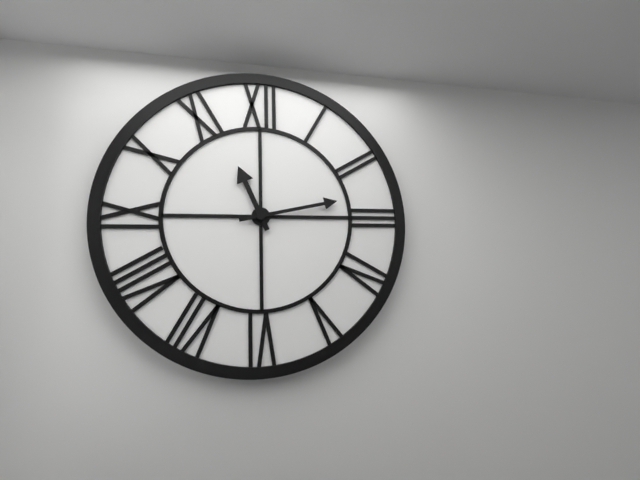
**11:13**
